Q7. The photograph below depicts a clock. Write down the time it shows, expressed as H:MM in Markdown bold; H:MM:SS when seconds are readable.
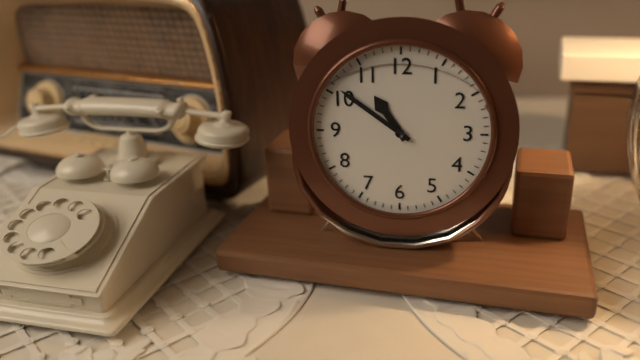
**10:51**
